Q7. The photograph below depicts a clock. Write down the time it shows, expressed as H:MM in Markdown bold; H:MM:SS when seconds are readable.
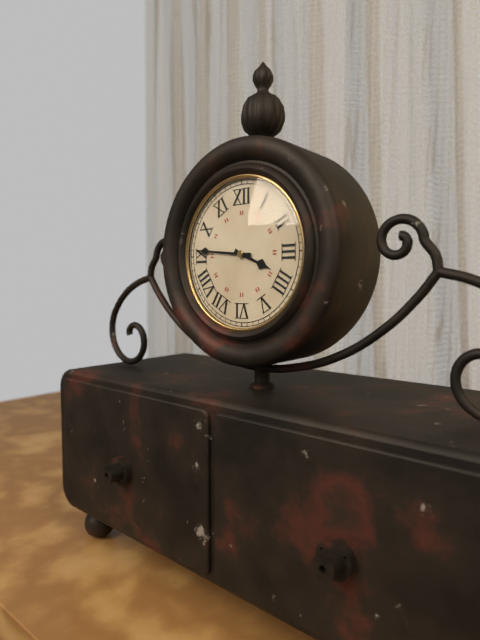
**3:46**
